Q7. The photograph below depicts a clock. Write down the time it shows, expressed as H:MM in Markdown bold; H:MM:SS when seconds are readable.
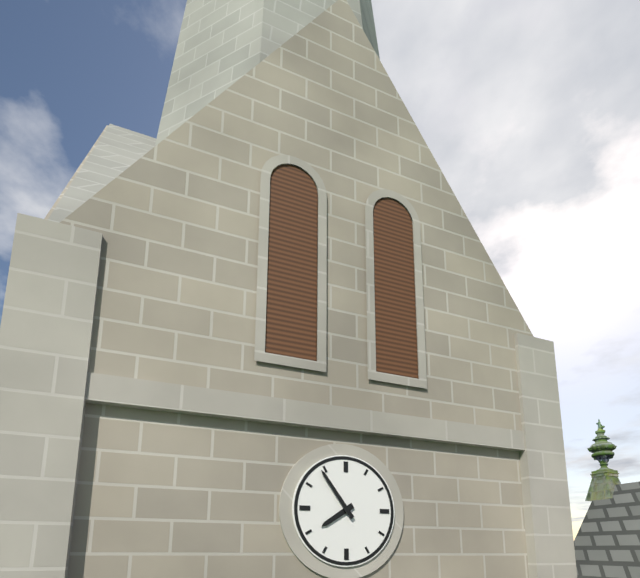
**7:54**
